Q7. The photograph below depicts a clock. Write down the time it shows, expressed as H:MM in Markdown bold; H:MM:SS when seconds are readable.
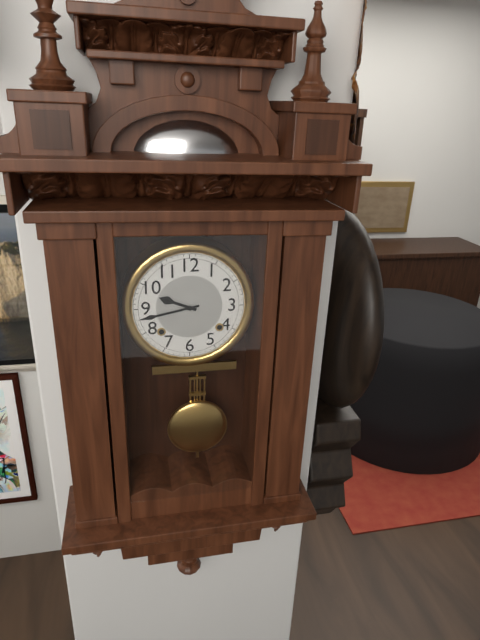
**9:43**
